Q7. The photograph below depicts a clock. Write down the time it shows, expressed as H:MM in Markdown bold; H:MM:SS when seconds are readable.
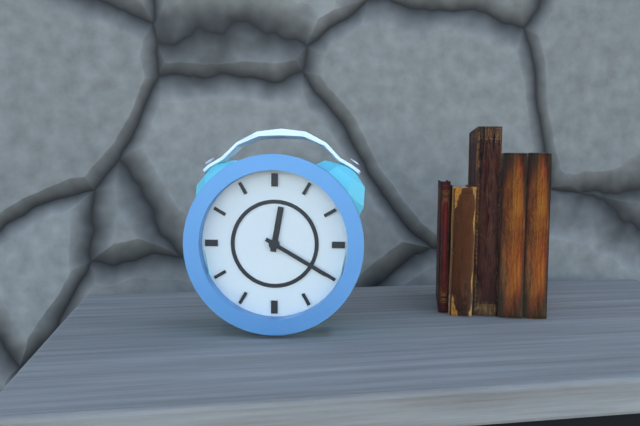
**12:20**
